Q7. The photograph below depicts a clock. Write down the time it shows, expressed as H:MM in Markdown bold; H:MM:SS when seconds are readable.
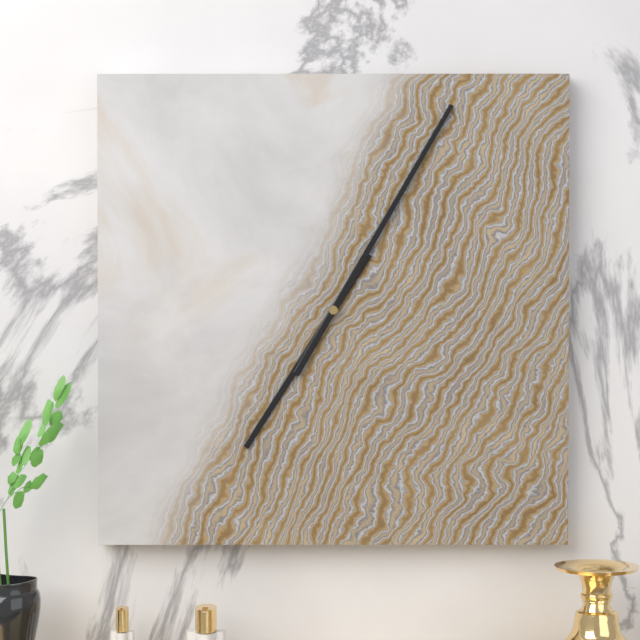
**7:05**
